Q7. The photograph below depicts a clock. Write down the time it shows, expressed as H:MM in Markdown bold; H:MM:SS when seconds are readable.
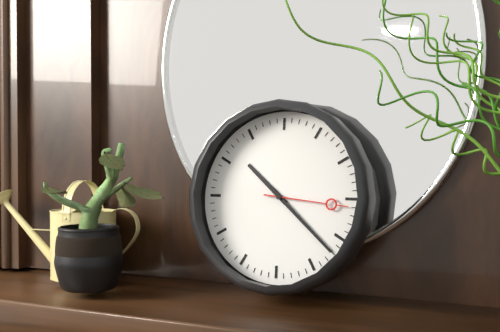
**10:22:16**
